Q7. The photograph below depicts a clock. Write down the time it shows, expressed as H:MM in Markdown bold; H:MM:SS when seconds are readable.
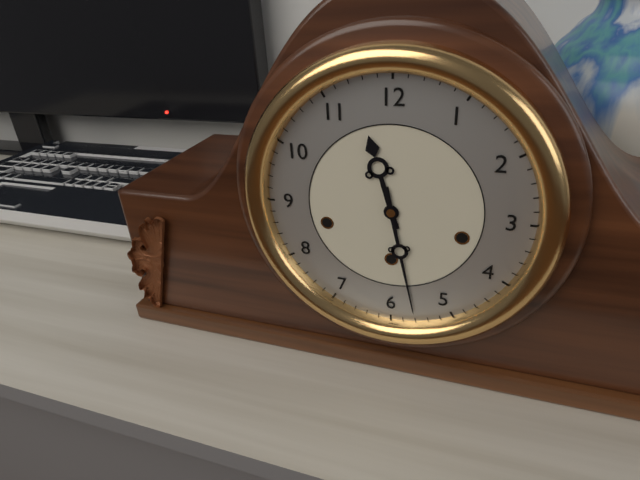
**11:28**
